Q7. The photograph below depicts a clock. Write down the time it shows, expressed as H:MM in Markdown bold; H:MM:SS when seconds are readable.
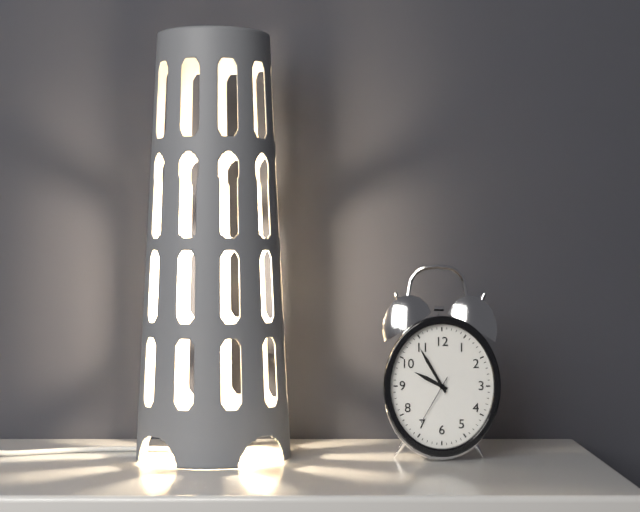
**9:55:35**
